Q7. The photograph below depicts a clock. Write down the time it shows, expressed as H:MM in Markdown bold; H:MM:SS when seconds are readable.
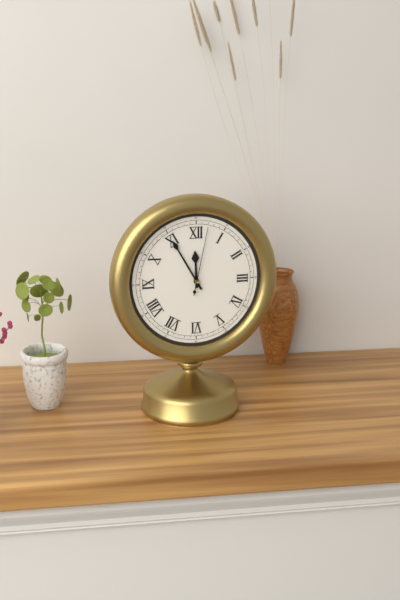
**11:55:02**
